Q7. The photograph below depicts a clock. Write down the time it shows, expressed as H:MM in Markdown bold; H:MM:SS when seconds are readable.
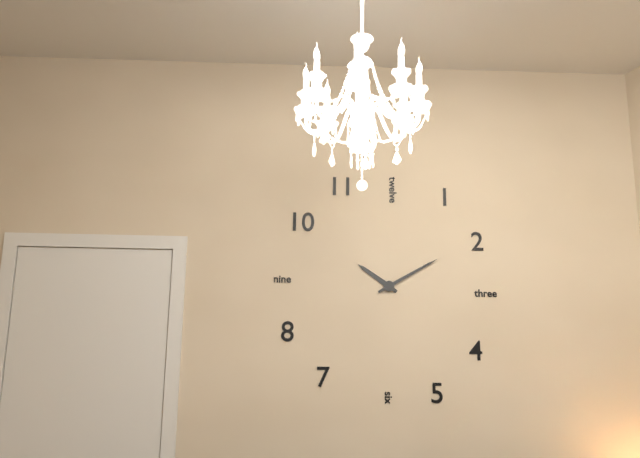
**10:10**
